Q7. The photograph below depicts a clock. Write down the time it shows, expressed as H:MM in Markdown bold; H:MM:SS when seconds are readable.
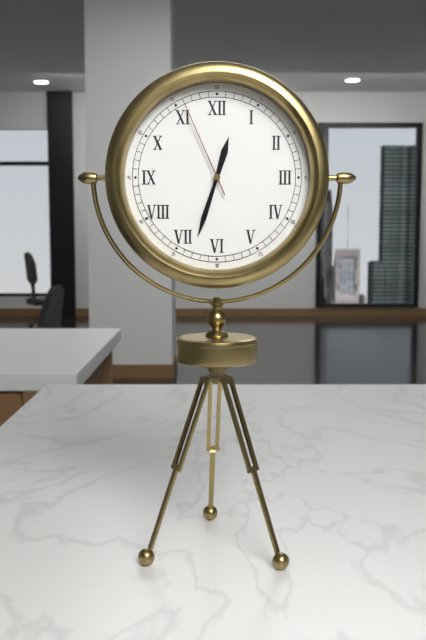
**12:33:56**
